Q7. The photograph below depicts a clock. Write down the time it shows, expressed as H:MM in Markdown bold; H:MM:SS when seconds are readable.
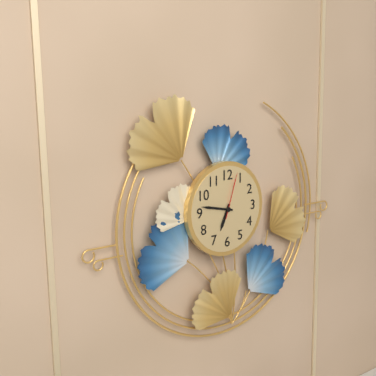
**6:47**
